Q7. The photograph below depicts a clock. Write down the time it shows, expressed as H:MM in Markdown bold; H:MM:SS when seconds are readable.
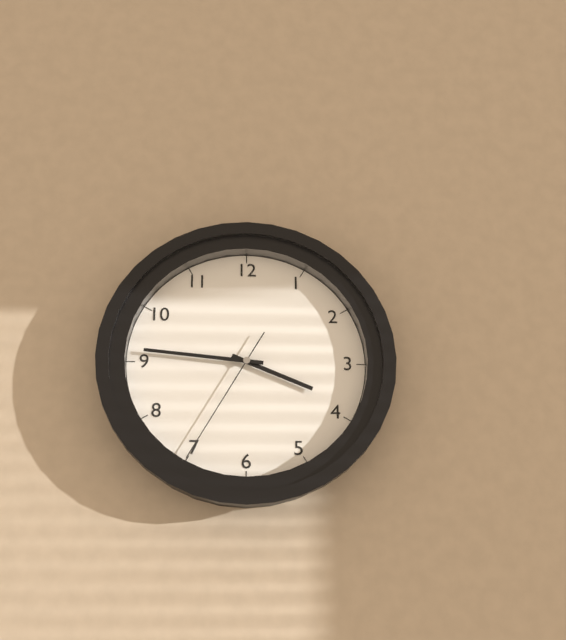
**3:46:35**
